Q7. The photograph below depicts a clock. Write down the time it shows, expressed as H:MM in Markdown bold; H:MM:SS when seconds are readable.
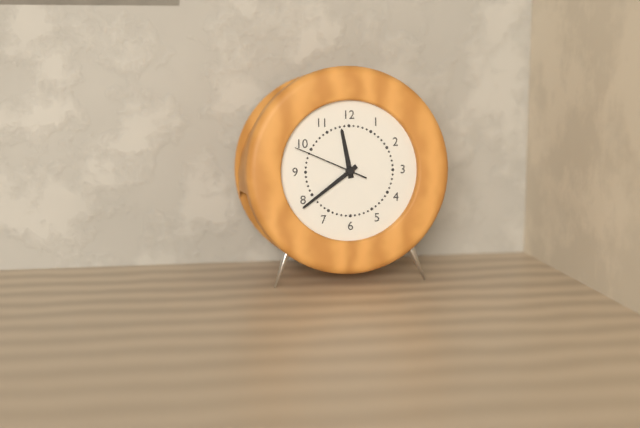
**11:39:49**
